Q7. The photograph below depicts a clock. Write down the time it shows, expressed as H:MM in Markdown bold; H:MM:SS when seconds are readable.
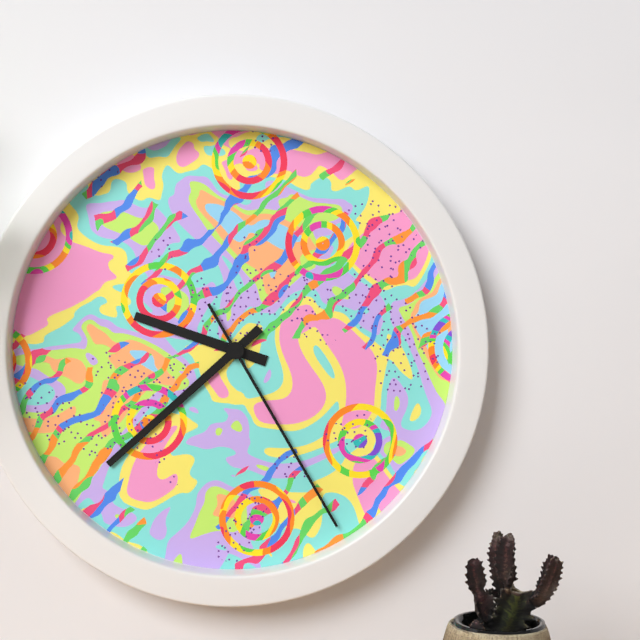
**9:38:25**
